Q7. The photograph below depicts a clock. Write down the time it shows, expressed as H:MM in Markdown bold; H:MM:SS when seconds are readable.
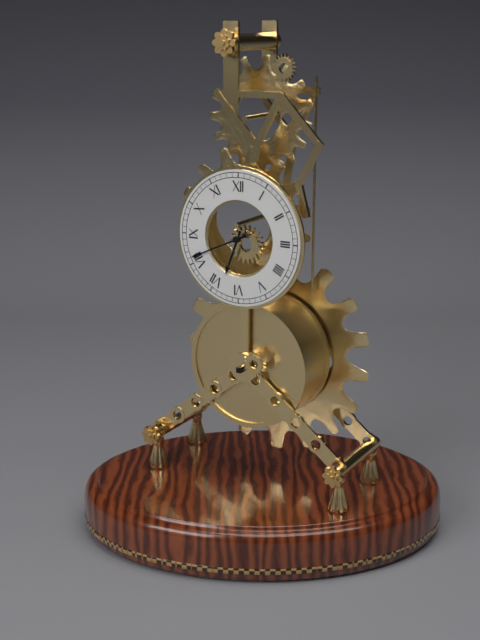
**6:41**
